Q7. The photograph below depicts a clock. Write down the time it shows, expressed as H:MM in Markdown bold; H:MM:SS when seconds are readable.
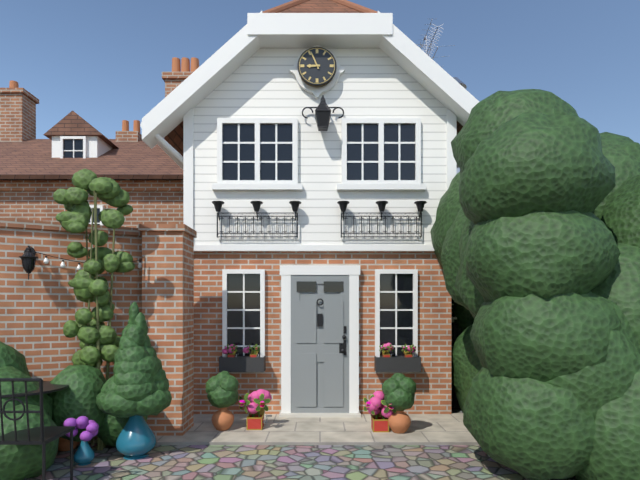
**8:56**
